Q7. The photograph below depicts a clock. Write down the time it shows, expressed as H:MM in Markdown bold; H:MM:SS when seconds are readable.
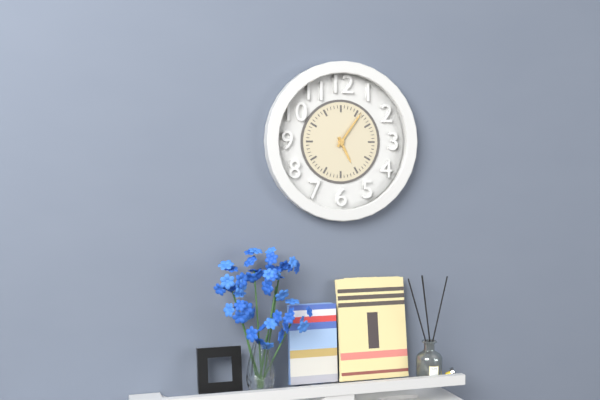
**5:06**
